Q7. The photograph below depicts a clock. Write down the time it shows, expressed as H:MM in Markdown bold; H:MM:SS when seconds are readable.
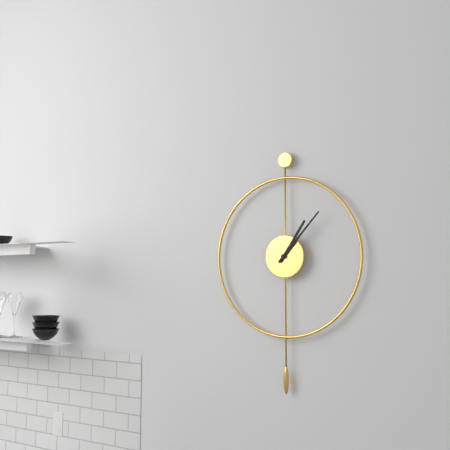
**1:07**
